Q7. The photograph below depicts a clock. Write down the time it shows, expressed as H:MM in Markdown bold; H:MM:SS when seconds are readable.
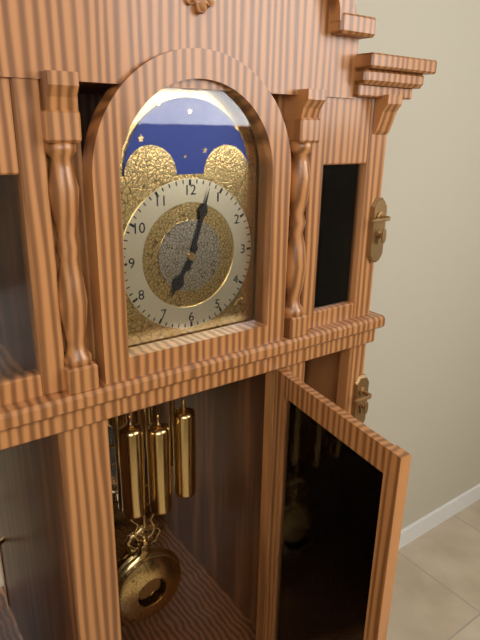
**7:03**
